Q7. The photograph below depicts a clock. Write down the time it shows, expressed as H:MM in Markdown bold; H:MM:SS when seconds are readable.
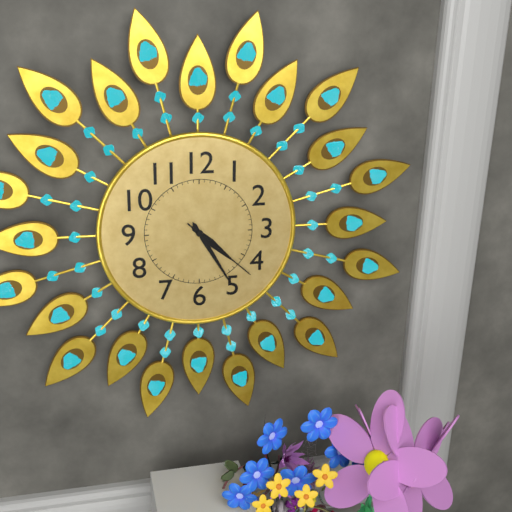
**4:25:22**
